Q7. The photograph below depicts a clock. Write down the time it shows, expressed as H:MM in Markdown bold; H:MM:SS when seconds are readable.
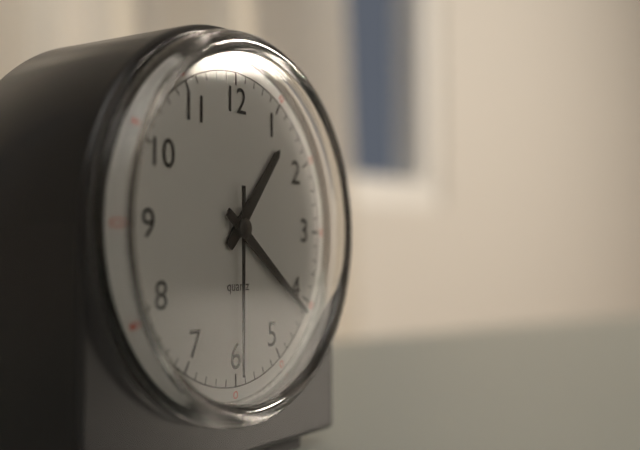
**1:21:30**
